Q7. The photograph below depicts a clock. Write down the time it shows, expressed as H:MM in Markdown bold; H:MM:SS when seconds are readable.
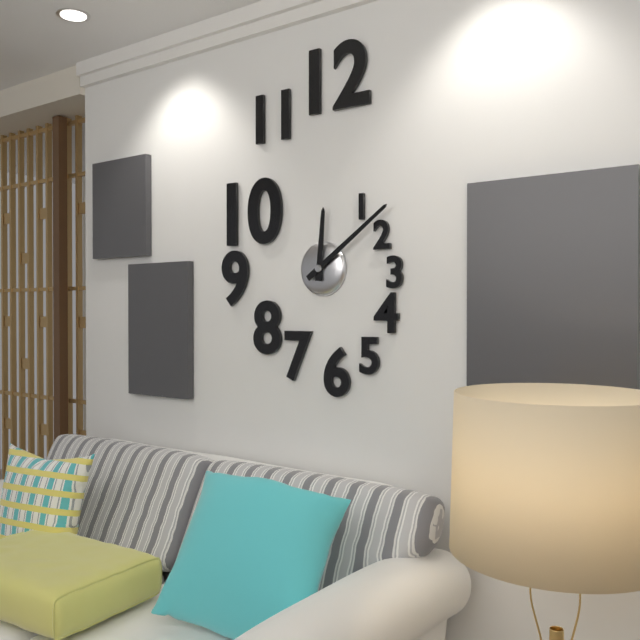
**12:09**
